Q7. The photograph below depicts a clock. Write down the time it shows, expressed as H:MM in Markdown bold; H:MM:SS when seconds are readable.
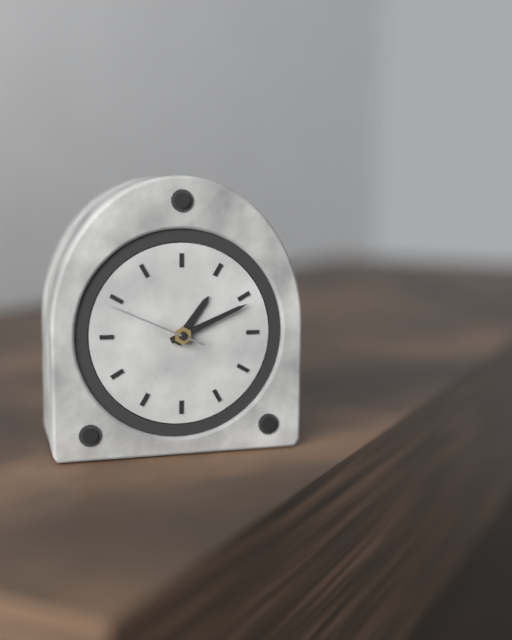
**1:11:49**
